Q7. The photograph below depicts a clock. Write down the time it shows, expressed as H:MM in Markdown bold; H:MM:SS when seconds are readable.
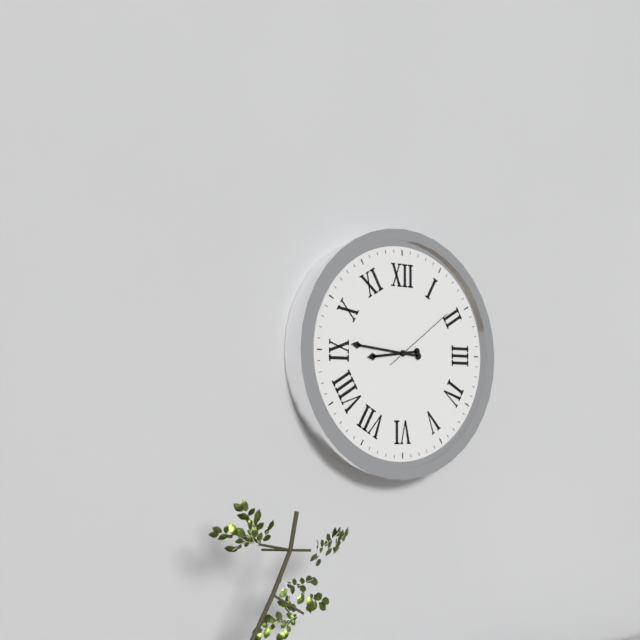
**8:46:09**
